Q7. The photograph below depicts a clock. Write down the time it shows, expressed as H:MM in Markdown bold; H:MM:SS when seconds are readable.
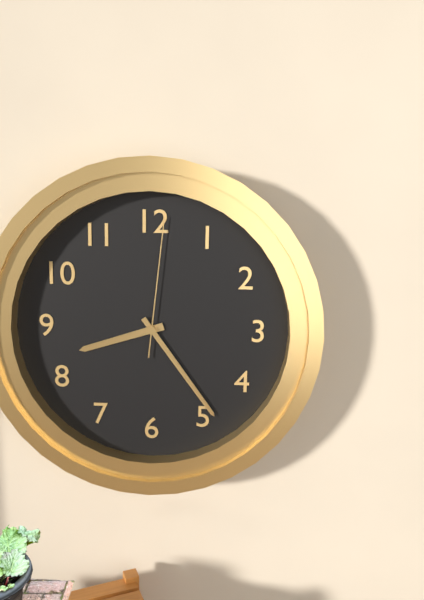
**8:24:01**
